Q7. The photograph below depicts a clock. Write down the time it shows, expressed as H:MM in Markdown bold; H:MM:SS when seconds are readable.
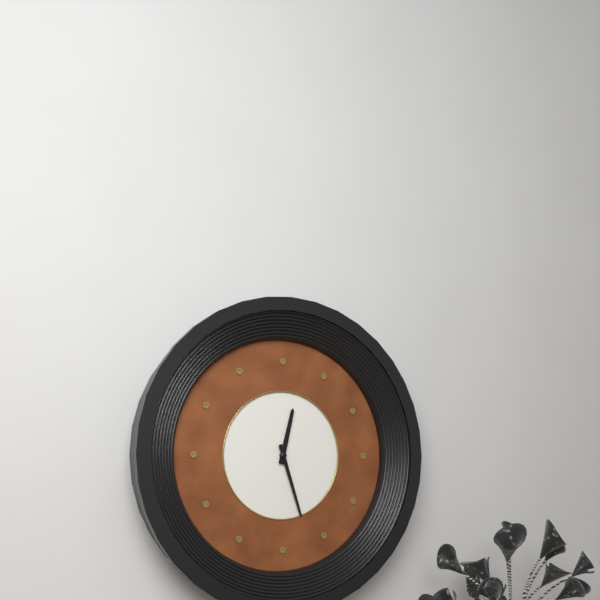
**12:27**
